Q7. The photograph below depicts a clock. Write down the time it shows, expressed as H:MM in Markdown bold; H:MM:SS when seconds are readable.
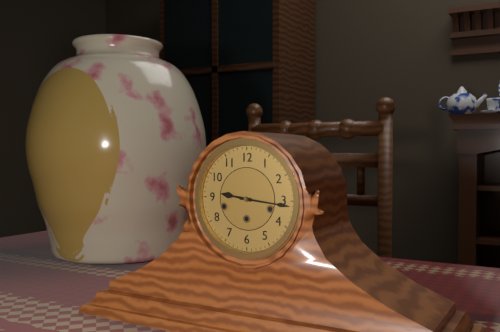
**9:16**
